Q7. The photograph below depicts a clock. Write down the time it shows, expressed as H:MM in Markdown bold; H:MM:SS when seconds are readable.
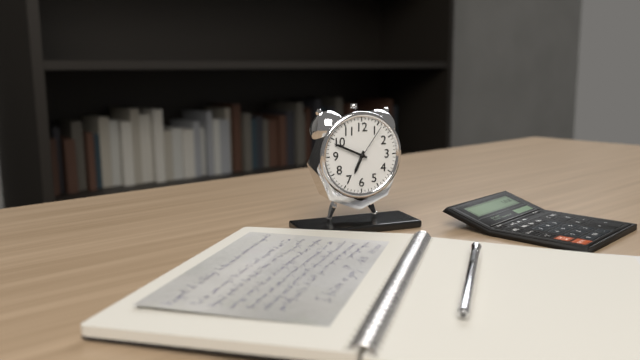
**6:49**
